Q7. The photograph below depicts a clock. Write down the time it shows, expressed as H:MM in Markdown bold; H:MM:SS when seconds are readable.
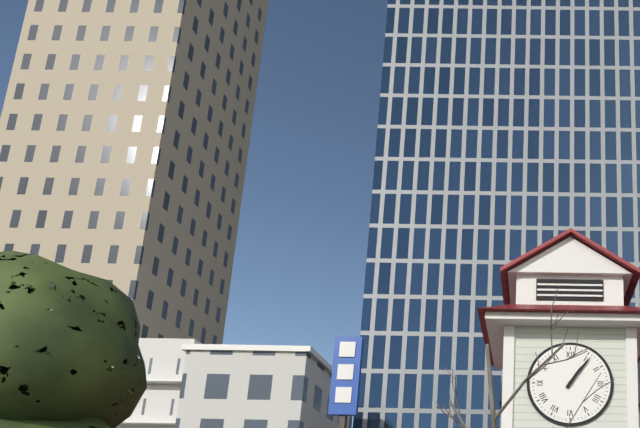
**1:06**
